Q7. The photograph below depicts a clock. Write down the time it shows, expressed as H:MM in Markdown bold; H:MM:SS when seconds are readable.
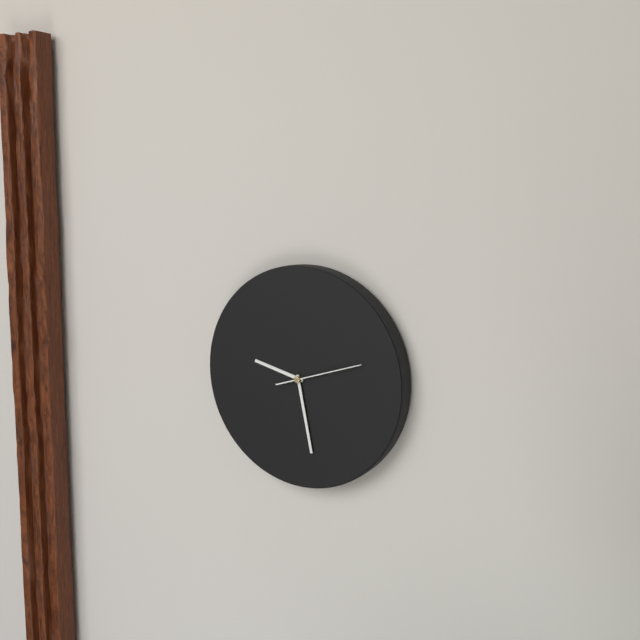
**9:28:12**
